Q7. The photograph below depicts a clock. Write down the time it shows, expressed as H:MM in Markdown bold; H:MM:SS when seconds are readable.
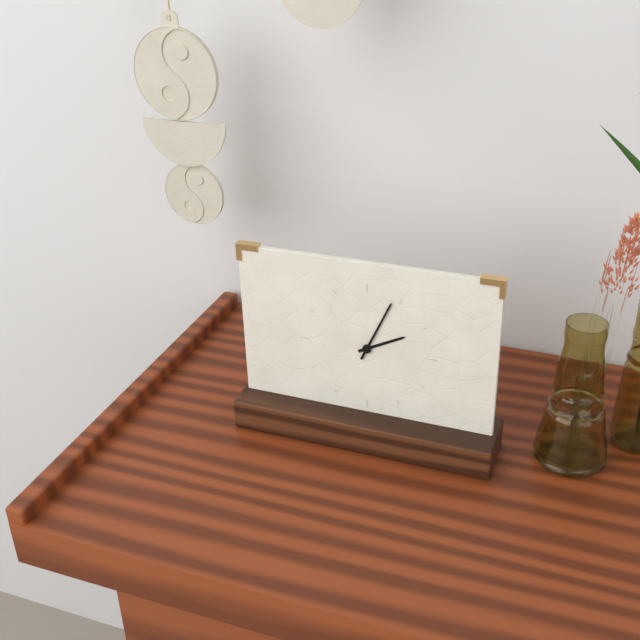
**2:04**
